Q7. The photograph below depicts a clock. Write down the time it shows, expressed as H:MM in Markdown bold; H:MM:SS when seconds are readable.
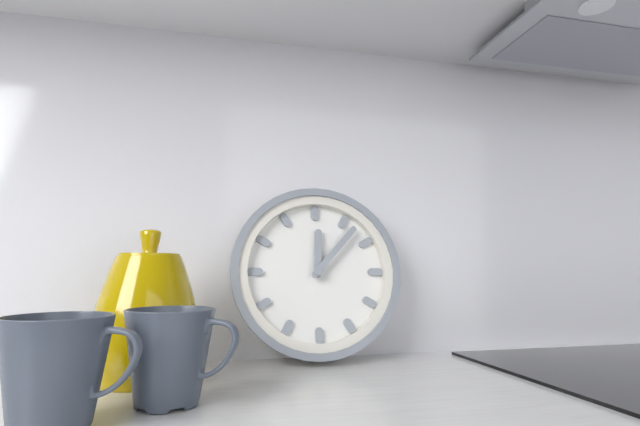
**12:07**
